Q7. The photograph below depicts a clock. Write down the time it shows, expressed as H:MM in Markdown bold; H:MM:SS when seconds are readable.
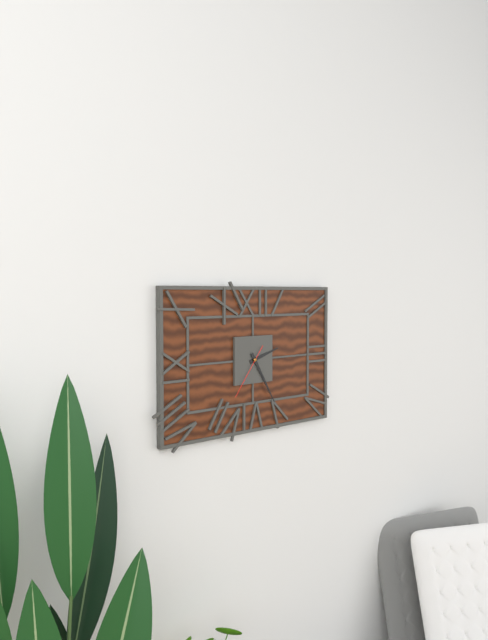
**2:25:36**
